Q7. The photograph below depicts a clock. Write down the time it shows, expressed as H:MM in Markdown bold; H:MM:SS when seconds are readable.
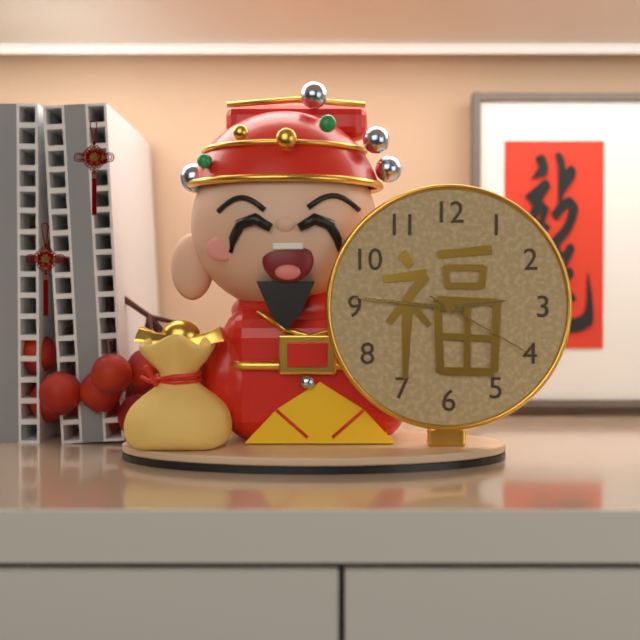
**2:46:20**
